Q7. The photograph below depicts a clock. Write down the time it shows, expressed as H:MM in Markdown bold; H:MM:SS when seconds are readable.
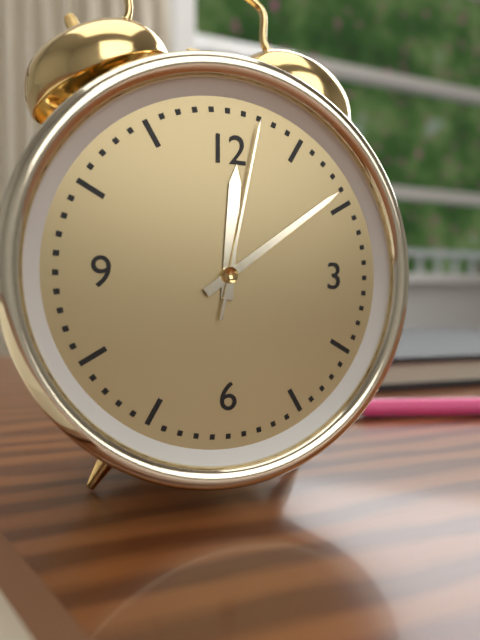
**12:09:02**
